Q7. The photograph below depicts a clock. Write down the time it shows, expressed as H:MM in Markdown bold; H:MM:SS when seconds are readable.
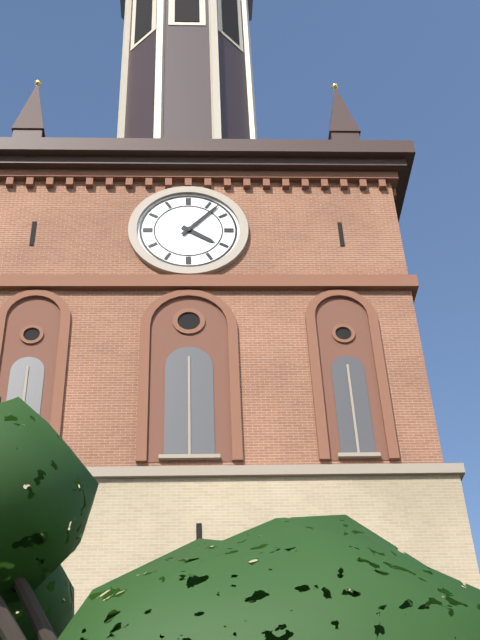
**4:07**
